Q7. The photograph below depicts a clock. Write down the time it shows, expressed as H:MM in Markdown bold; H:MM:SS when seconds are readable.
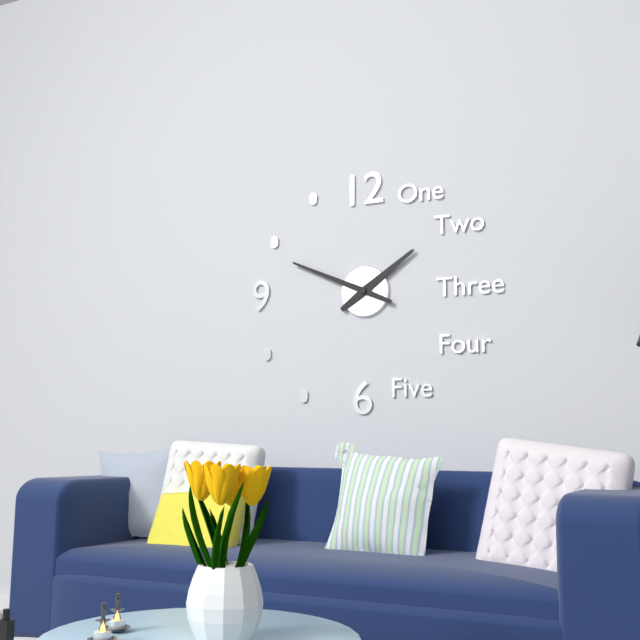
**1:49**
